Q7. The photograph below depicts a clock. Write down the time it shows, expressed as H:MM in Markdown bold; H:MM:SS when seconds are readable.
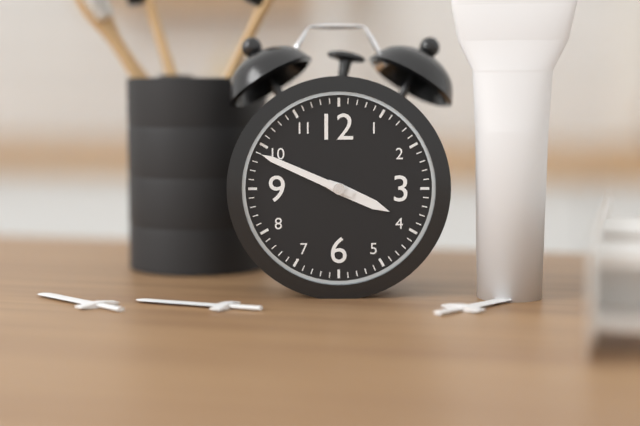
**3:49**
